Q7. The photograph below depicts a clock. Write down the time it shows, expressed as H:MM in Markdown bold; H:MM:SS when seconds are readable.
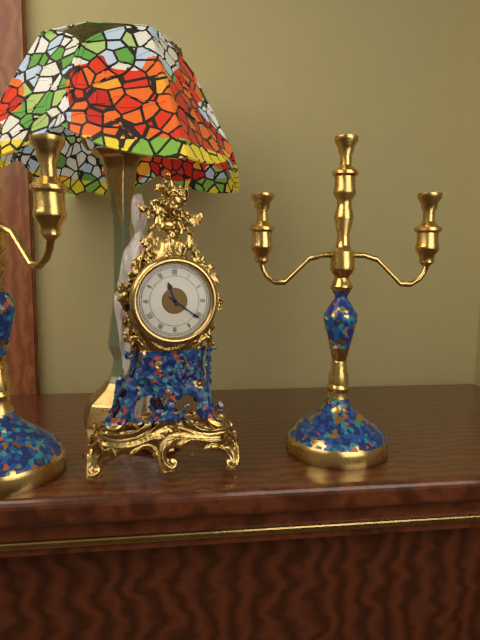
**11:21**
